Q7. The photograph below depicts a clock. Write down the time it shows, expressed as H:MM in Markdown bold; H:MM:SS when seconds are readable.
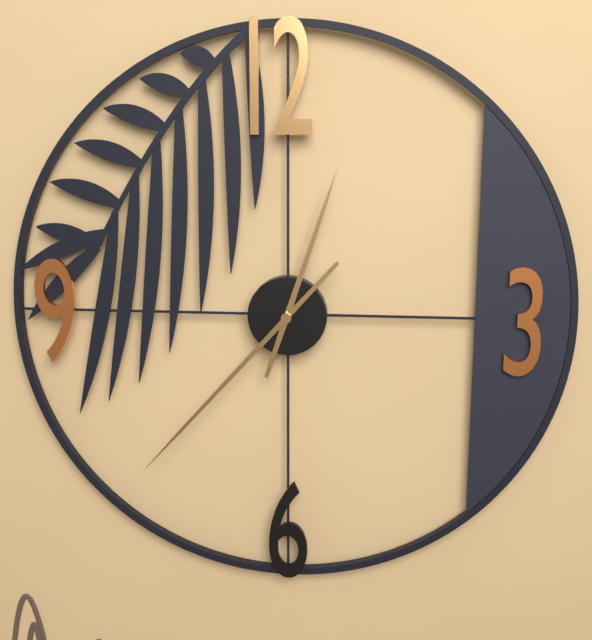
**12:37**
